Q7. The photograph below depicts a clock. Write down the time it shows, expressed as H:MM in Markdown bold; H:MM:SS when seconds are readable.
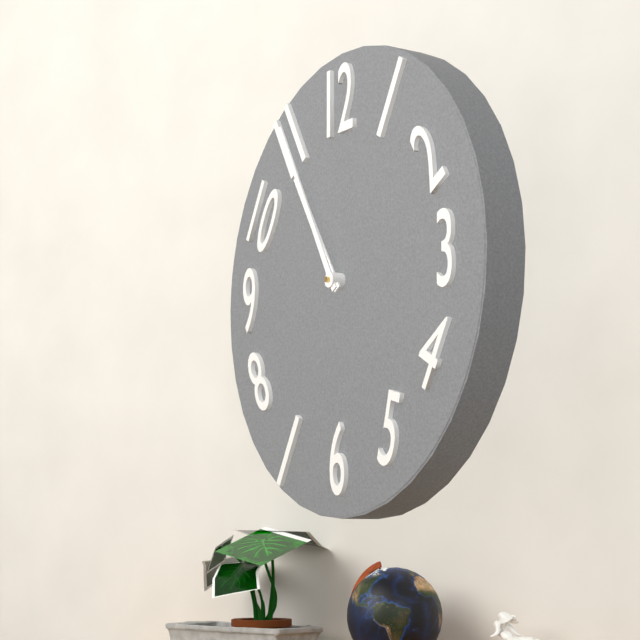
**10:55**
